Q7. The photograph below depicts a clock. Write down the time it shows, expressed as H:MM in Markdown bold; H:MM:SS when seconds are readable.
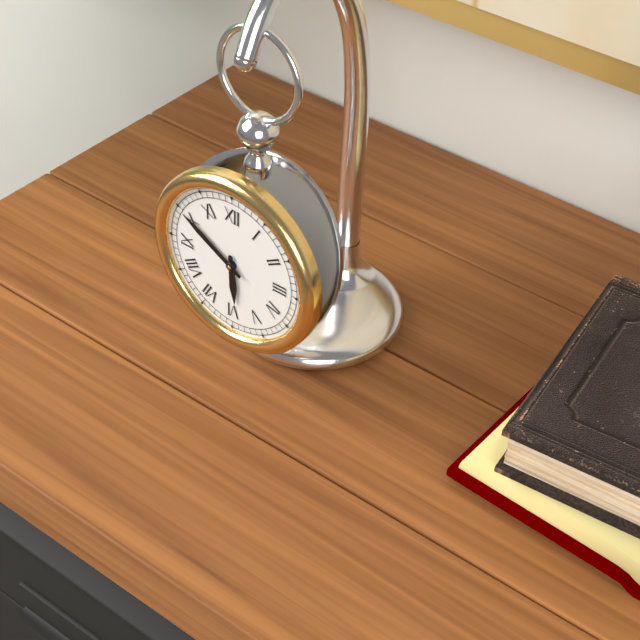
**5:50**
